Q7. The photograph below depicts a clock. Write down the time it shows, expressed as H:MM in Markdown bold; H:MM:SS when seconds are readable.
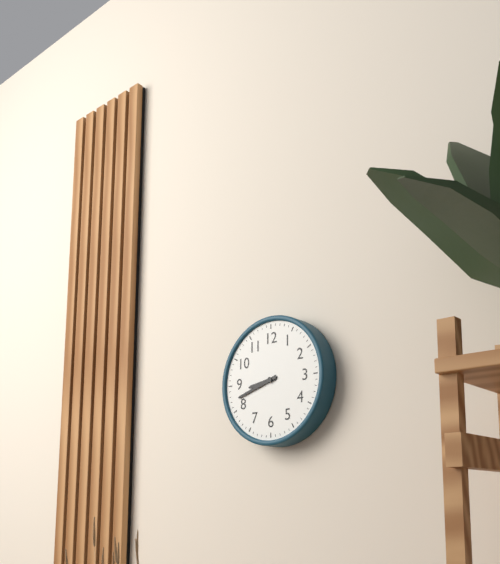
**8:42**
